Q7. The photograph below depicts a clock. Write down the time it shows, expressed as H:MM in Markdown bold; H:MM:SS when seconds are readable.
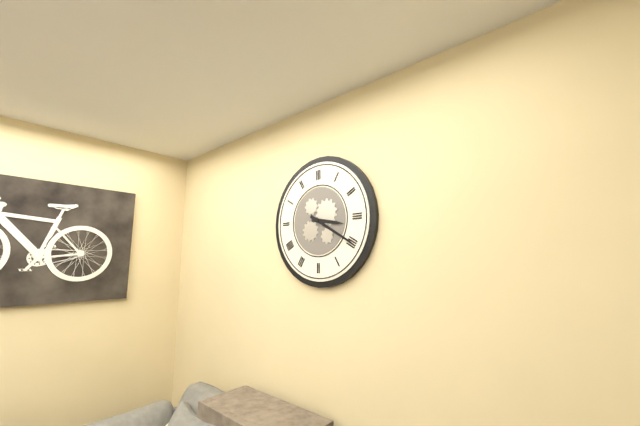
**3:20**
